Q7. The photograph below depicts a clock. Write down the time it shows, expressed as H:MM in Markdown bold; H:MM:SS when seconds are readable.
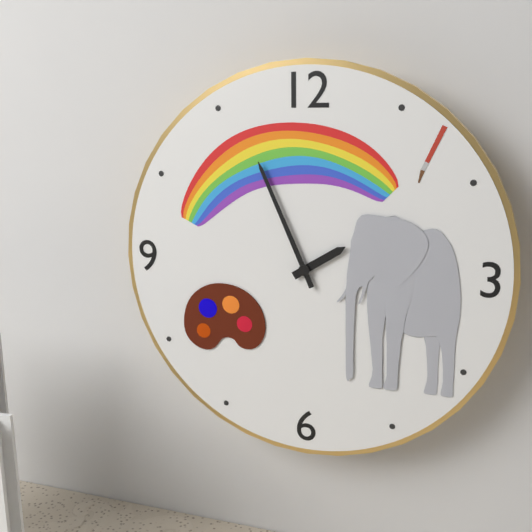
**1:56**
